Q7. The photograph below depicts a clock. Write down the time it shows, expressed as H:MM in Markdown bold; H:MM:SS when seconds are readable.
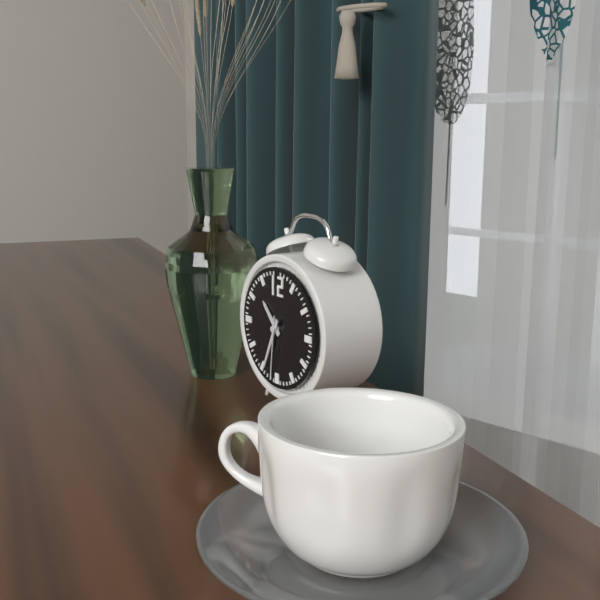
**10:34:31**
